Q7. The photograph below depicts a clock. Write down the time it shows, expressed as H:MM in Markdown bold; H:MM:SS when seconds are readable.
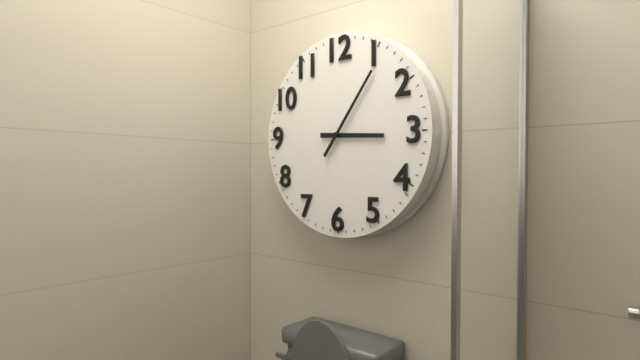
**3:06**
